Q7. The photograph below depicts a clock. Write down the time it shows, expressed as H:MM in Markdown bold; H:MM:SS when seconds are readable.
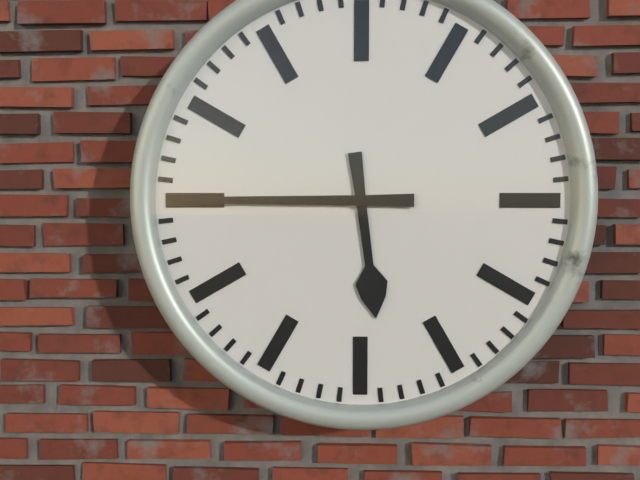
**5:45**
